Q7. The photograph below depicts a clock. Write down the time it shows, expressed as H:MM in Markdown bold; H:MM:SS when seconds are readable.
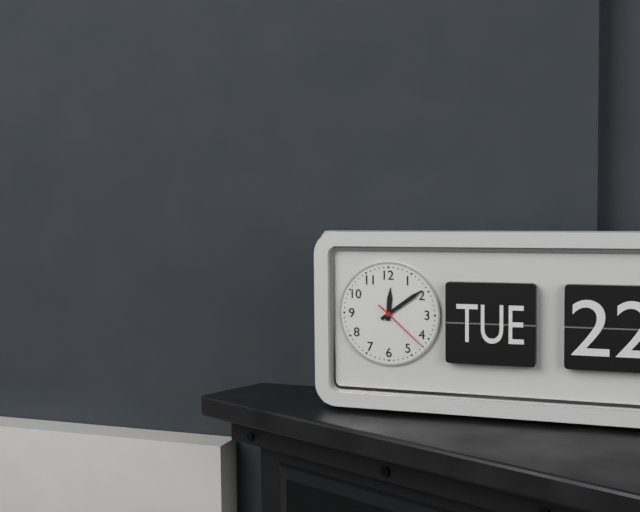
**12:09:22**
